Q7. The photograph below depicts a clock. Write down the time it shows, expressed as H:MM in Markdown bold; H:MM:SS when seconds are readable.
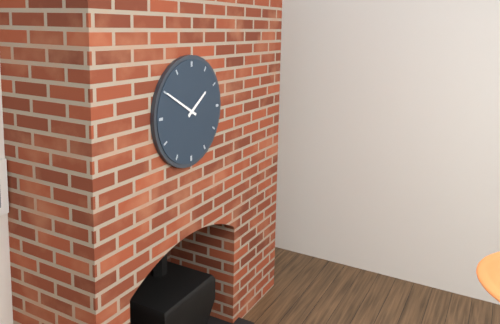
**1:50**
